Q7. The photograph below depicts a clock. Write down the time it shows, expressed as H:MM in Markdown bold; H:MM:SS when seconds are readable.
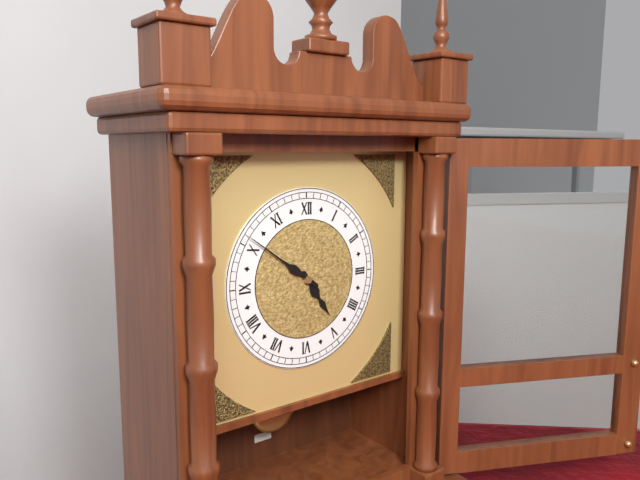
**4:51**
